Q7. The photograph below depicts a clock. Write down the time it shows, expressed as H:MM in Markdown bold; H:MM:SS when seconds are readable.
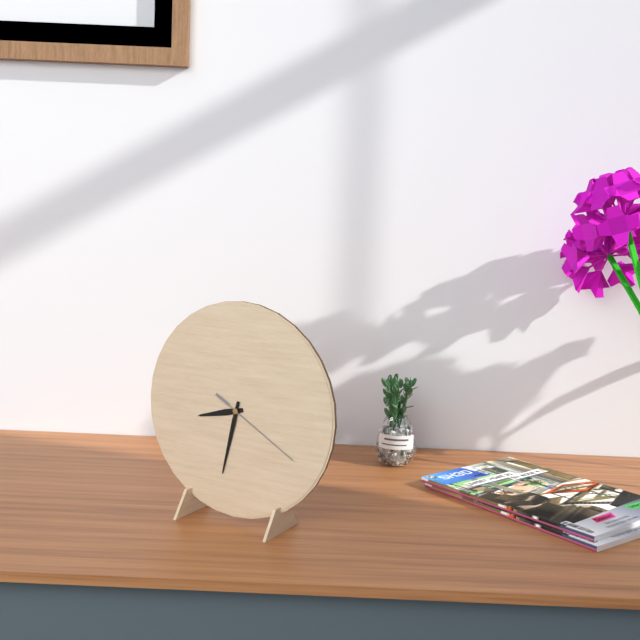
**8:32:20**
